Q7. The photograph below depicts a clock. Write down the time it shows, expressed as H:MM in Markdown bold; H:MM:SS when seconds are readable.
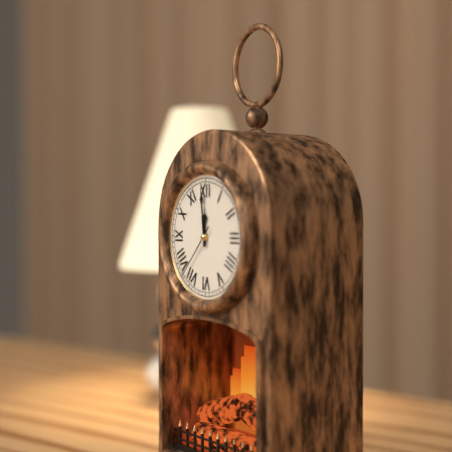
**11:59:37**
